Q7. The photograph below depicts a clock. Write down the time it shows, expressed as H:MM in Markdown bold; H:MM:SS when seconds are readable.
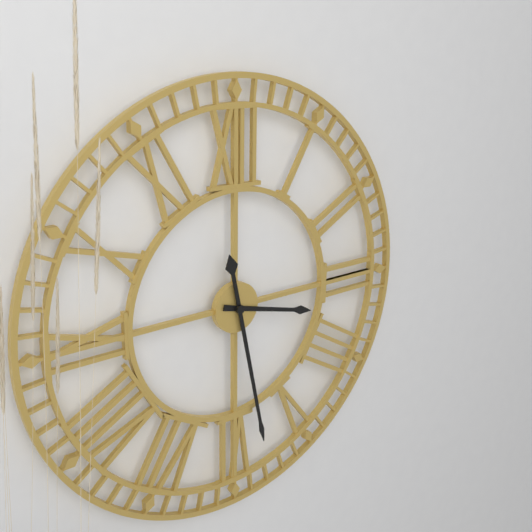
**3:28**
